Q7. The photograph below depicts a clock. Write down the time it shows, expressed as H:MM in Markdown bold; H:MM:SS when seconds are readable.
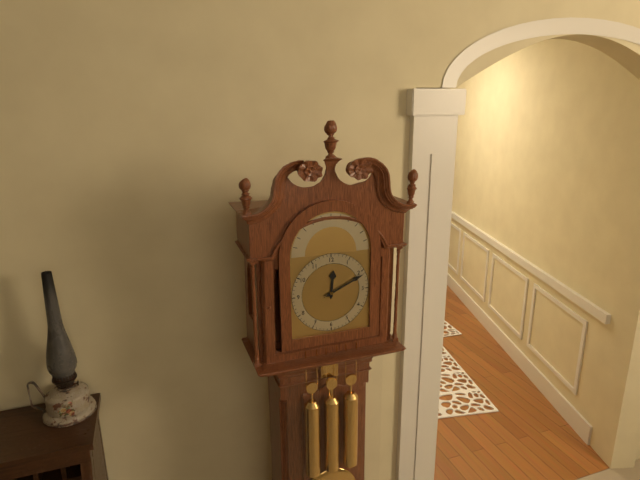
**12:11**
